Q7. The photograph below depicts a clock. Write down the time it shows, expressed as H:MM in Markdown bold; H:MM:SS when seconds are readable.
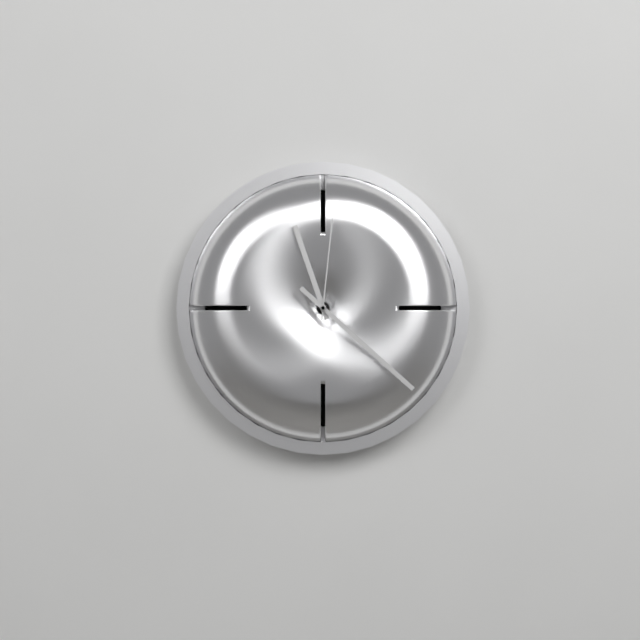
**11:22:01**
